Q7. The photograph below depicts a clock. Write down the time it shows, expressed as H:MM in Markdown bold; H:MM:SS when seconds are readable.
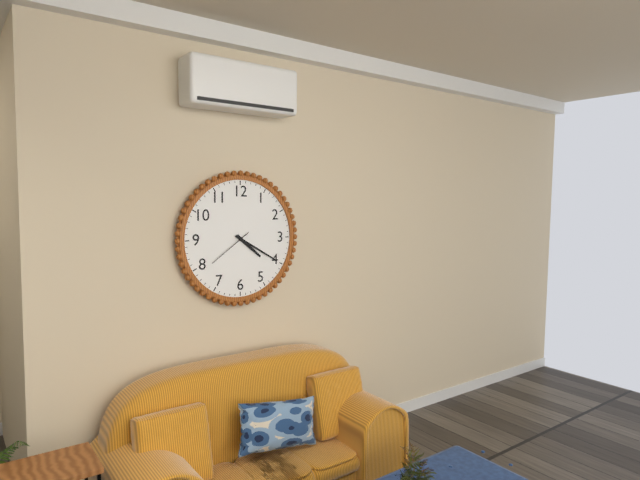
**4:20**
